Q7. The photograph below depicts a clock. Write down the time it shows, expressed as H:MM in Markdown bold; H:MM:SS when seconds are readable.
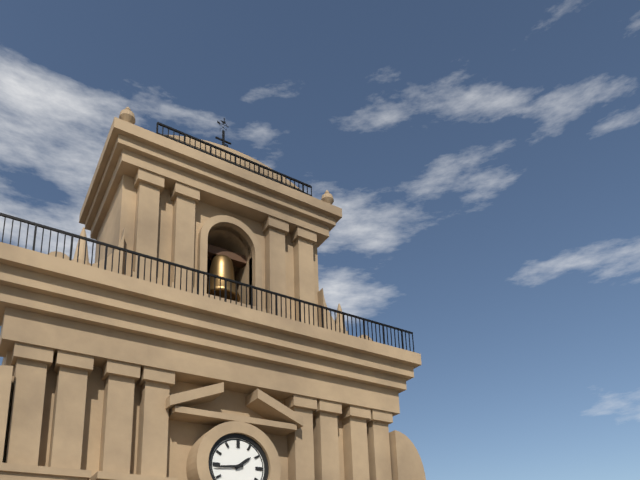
**1:44**
